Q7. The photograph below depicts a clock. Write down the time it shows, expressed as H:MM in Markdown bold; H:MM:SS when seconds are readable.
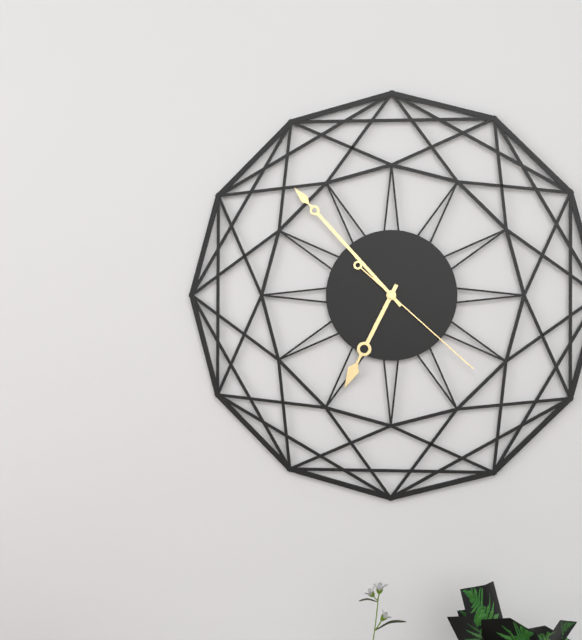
**6:53:22**
